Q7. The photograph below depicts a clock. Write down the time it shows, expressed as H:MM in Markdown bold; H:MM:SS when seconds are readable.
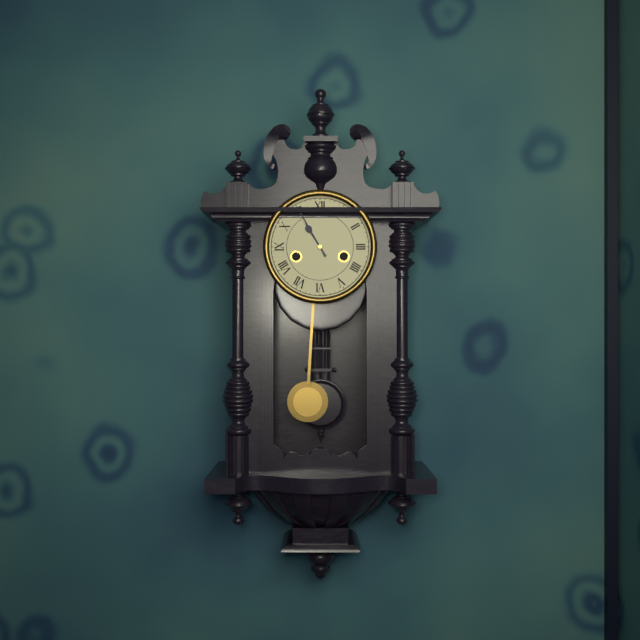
**10:55**
